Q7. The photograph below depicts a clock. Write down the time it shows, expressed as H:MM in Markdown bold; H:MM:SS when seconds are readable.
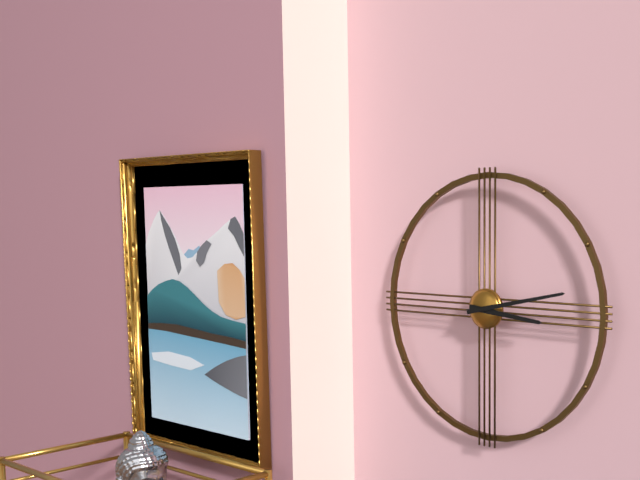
**3:13**
